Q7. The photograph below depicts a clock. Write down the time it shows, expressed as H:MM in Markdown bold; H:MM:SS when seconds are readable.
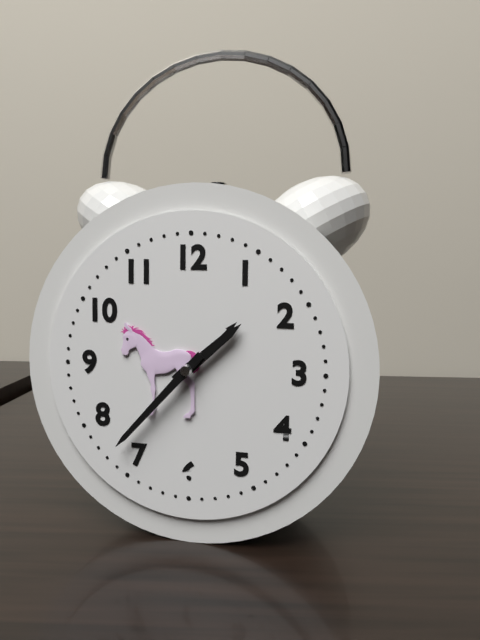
**1:37**
